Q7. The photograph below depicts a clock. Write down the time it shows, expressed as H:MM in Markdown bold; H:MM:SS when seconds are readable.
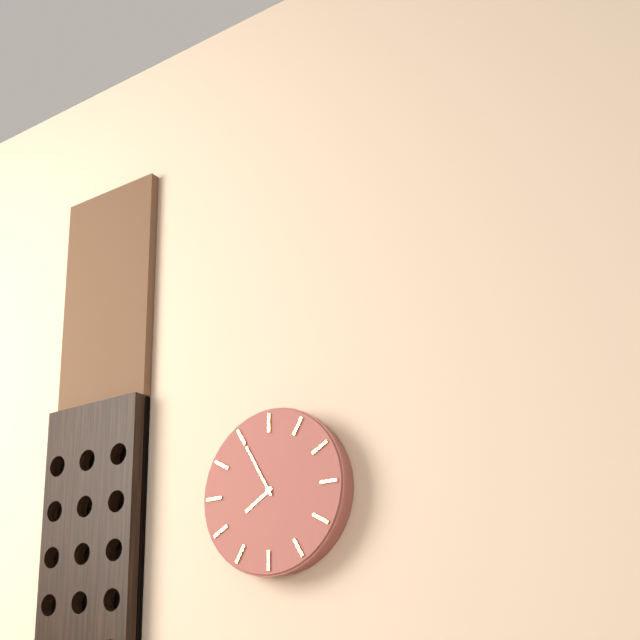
**7:55**
